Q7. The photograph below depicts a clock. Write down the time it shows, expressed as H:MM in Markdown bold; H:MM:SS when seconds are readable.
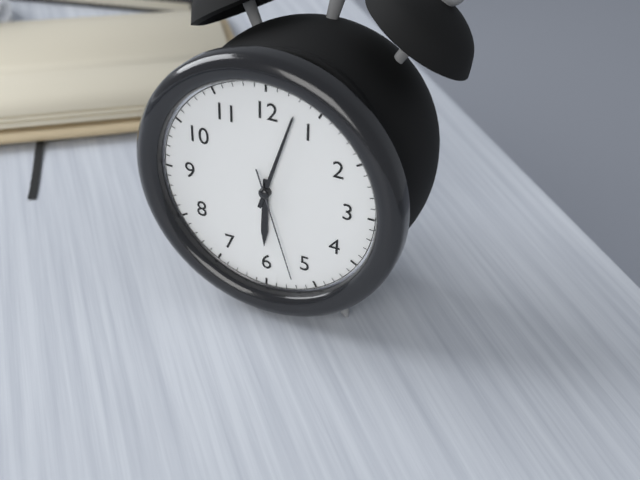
**6:03:27**
